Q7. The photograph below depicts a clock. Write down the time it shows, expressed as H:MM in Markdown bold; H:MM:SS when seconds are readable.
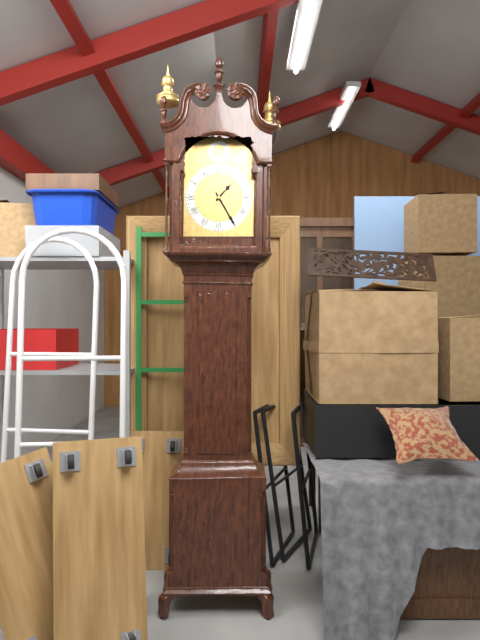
**1:25**
